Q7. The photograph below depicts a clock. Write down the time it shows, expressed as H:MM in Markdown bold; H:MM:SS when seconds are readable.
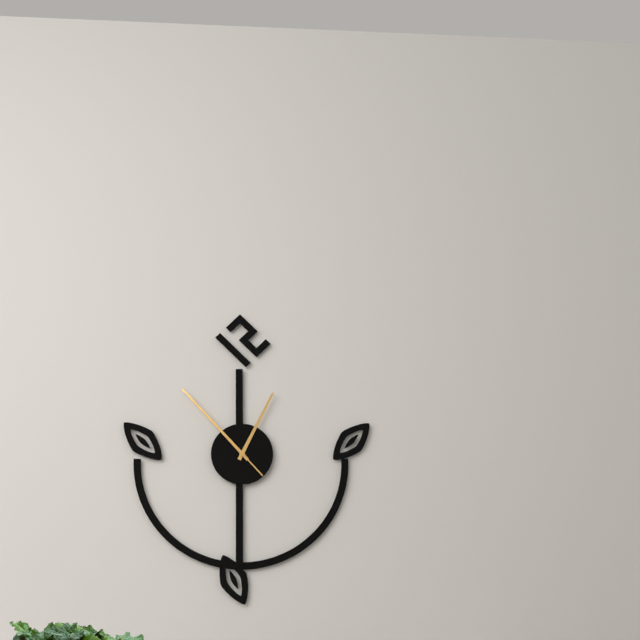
**12:53:53**
